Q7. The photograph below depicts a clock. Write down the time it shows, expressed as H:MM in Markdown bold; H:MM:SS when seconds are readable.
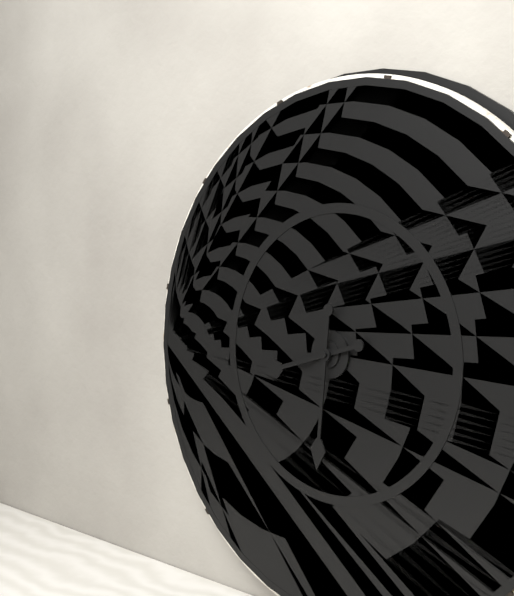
**8:31**
